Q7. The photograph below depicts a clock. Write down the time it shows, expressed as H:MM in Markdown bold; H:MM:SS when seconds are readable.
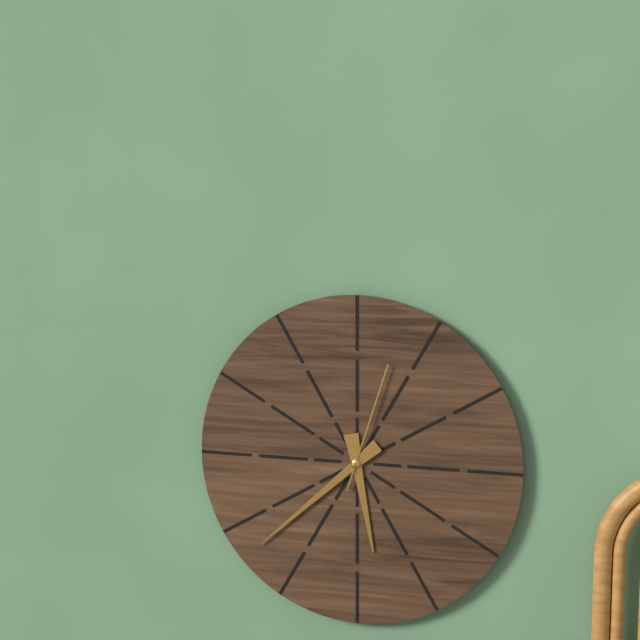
**5:38:03**
